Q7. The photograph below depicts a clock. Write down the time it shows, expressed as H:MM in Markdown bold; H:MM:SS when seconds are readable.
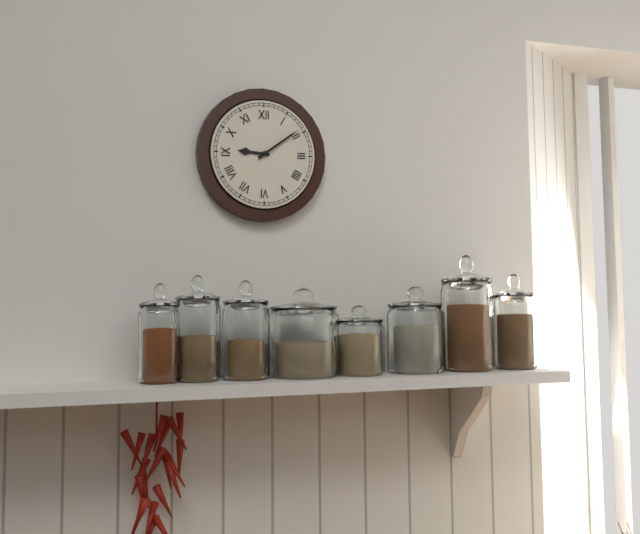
**9:09**
